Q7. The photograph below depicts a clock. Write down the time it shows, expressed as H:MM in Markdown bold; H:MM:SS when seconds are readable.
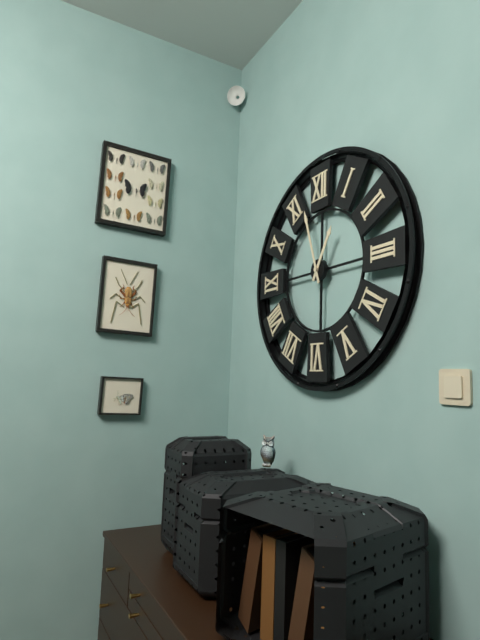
**12:57**
